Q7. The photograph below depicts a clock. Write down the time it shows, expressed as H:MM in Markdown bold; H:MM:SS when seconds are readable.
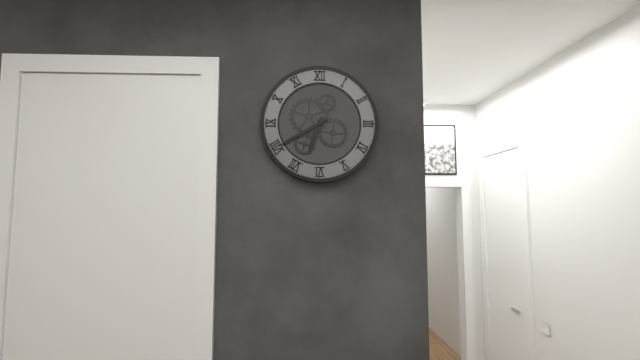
**6:40**
